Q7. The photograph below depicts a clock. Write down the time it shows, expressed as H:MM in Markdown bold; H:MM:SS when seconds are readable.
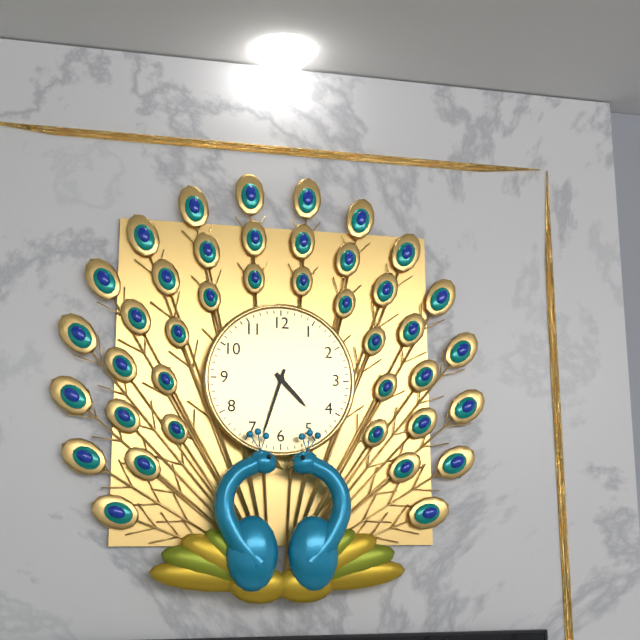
**4:33**
